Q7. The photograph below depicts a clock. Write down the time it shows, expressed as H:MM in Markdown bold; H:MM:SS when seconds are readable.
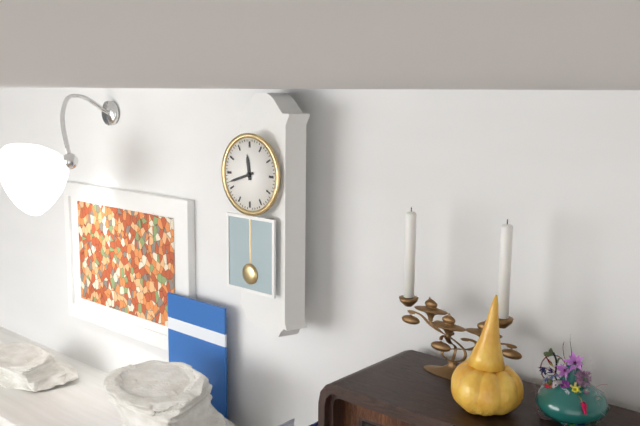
**11:42**
